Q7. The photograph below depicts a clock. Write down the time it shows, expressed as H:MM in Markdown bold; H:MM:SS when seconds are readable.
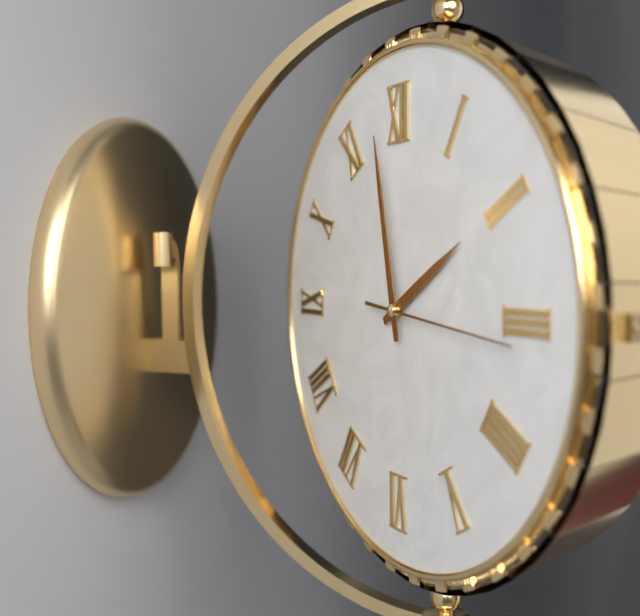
**1:58:16**
